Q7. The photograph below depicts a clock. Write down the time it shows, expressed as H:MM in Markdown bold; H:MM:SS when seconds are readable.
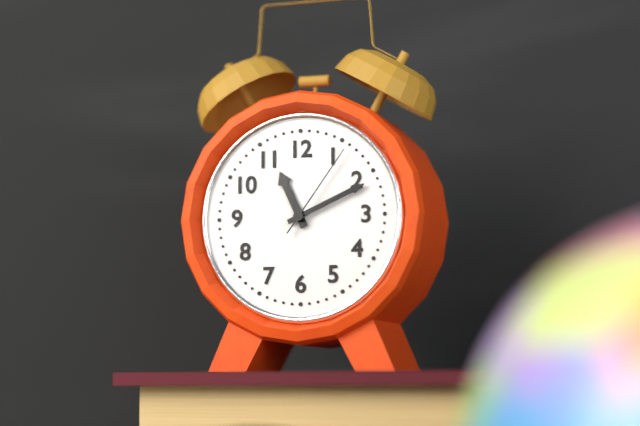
**11:11:06**
